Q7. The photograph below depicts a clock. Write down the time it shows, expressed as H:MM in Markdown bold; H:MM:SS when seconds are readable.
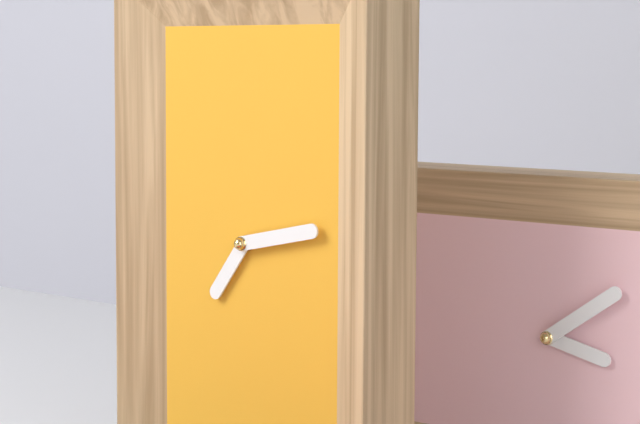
**7:13**
